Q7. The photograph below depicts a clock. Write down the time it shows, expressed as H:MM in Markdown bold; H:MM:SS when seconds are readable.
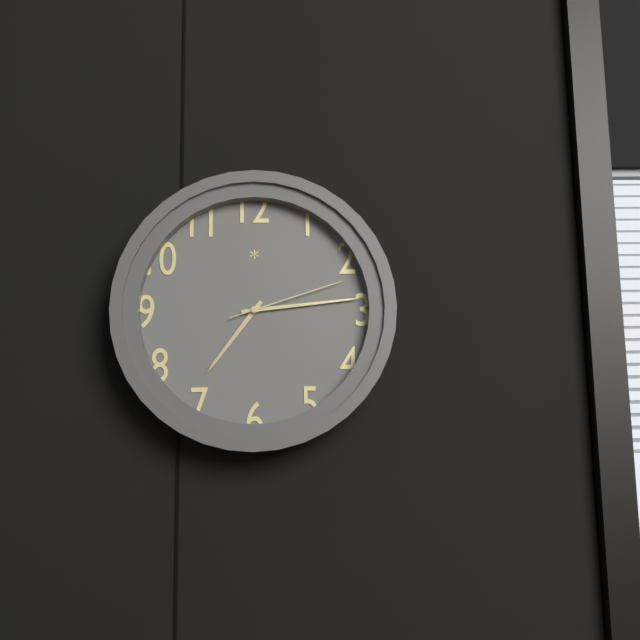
**7:14:12**
